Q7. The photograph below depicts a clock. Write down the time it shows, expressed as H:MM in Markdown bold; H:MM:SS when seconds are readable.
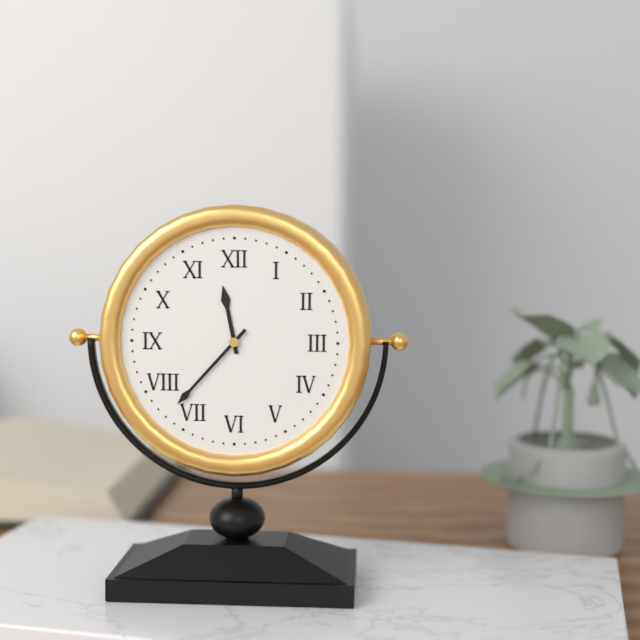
**11:37**
